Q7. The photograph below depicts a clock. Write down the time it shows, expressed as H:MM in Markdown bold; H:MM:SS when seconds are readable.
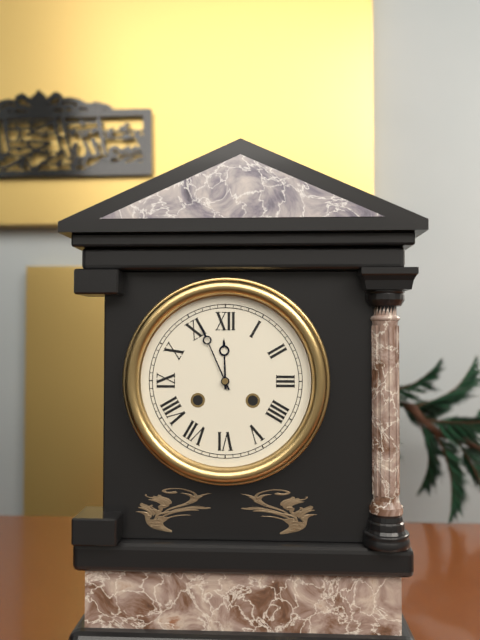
**11:56**
